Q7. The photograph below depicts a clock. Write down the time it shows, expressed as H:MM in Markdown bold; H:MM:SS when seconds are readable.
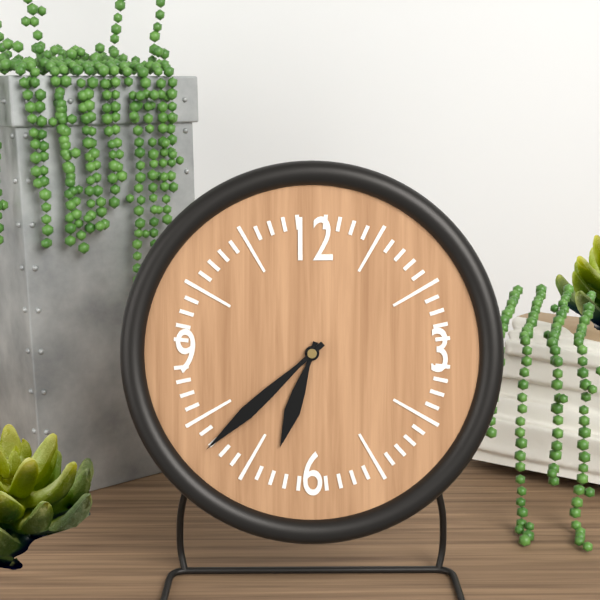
**6:38**
